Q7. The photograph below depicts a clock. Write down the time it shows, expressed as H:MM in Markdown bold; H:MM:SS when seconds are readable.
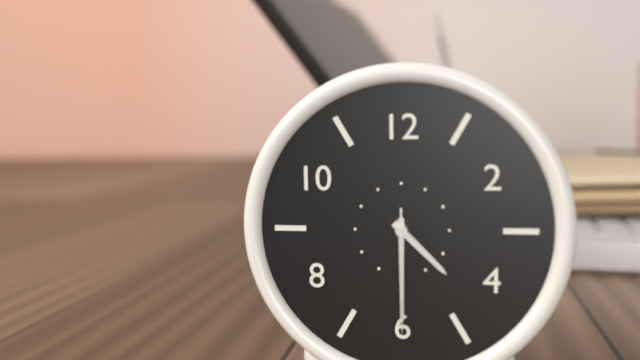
**4:30:30**
